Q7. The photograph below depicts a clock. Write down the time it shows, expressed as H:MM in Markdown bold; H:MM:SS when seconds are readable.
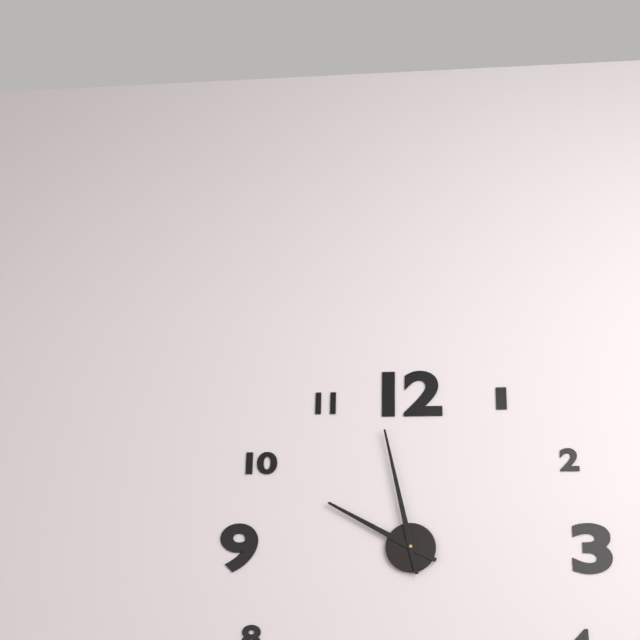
**9:58**
